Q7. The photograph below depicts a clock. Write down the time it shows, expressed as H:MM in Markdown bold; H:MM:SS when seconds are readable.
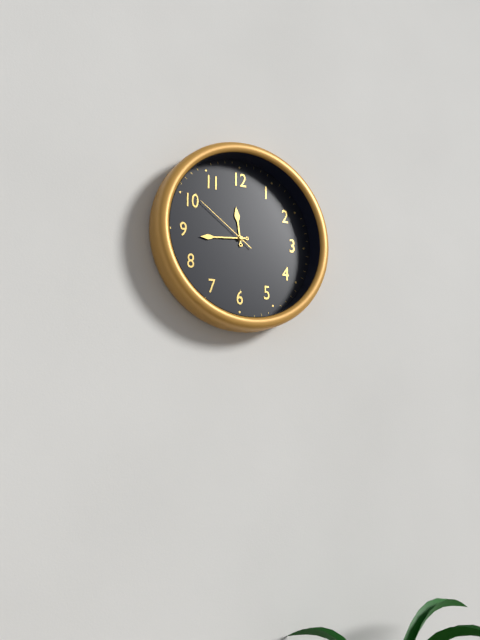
**11:44:51**
